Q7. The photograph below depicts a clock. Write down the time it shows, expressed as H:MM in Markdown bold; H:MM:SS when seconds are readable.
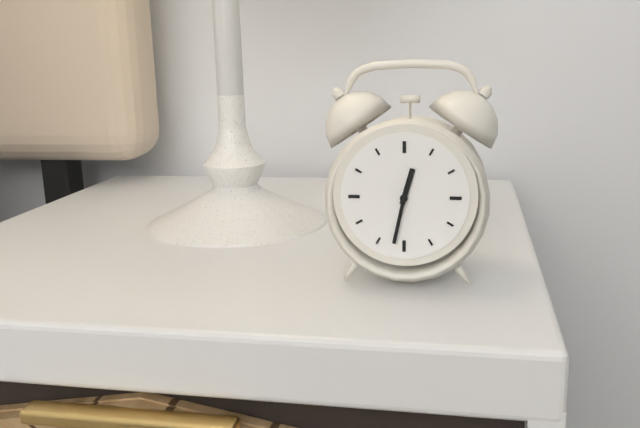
**12:32**
